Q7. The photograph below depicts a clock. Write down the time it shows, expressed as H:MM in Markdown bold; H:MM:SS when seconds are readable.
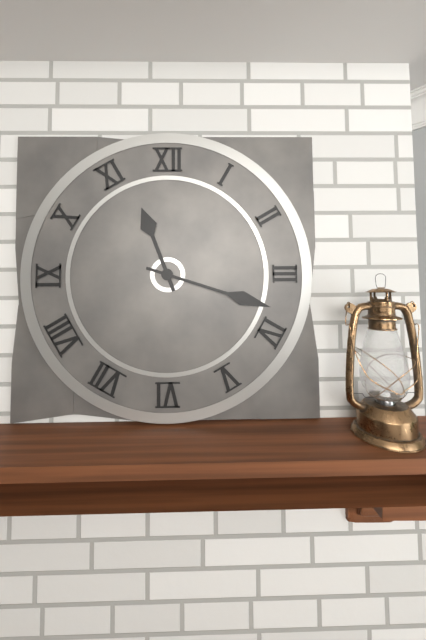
**11:18**
